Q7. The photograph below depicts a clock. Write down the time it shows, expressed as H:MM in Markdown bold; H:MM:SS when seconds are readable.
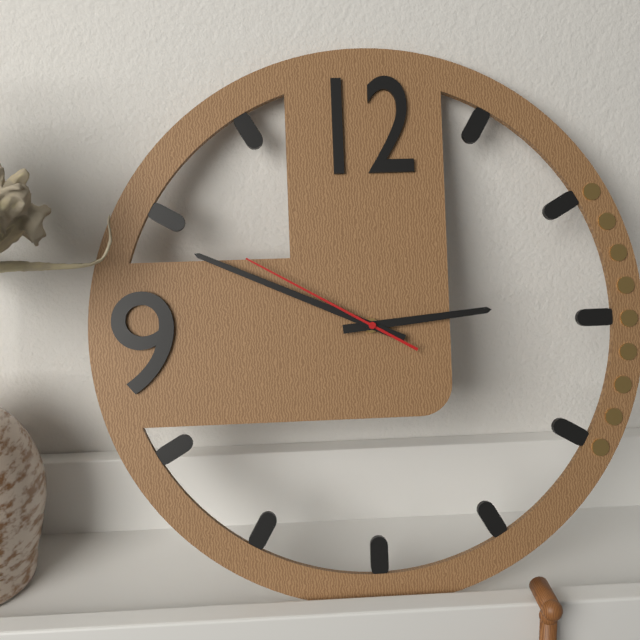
**2:49:50**
